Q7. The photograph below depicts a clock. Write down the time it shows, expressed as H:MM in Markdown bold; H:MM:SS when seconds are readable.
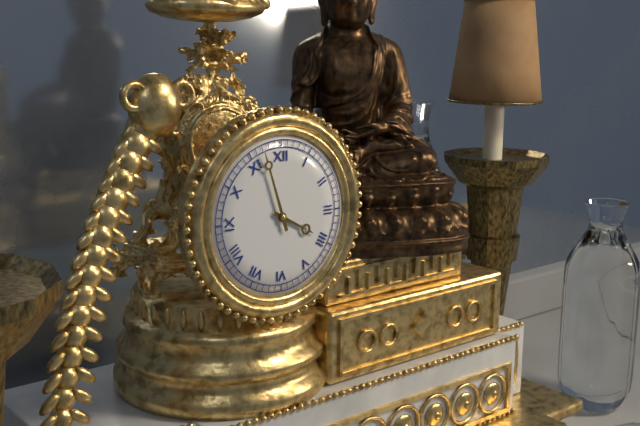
**3:57**
